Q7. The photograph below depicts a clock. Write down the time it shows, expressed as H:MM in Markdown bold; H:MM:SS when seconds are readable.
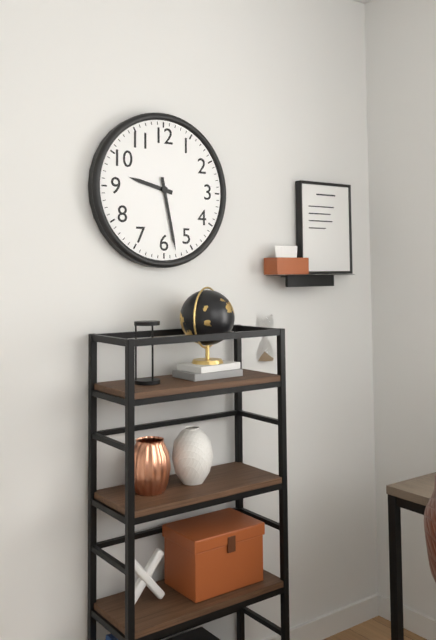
**9:28**
